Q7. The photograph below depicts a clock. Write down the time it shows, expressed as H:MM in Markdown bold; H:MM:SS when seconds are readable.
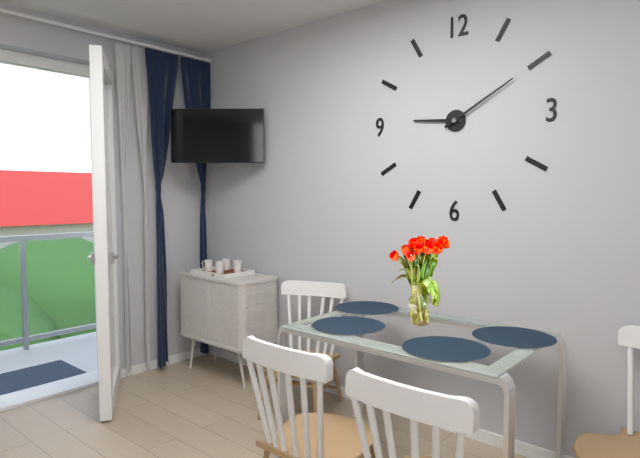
**9:10**
